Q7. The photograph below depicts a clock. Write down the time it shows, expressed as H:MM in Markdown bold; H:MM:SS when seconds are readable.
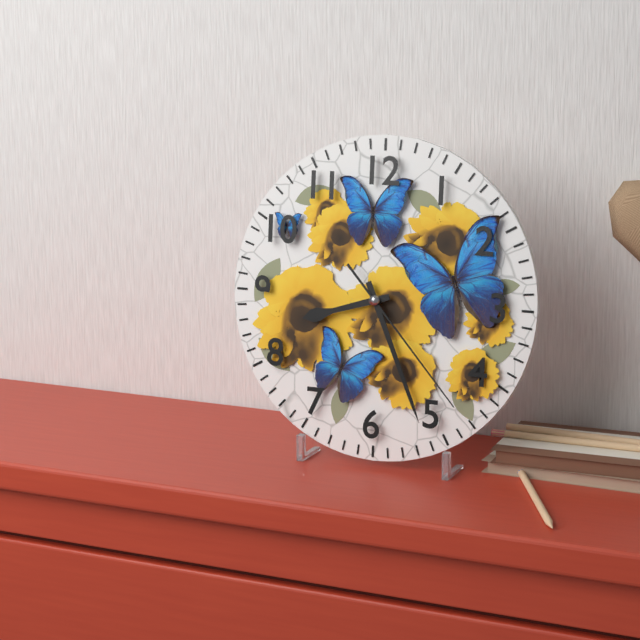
**8:26:23**
